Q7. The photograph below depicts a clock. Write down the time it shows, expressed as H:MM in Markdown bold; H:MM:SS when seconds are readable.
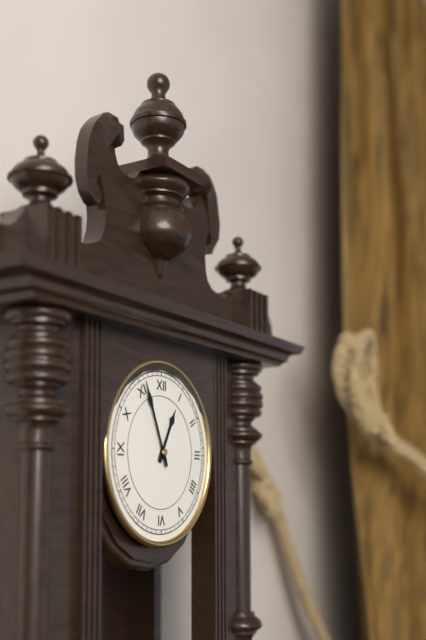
**12:56**
